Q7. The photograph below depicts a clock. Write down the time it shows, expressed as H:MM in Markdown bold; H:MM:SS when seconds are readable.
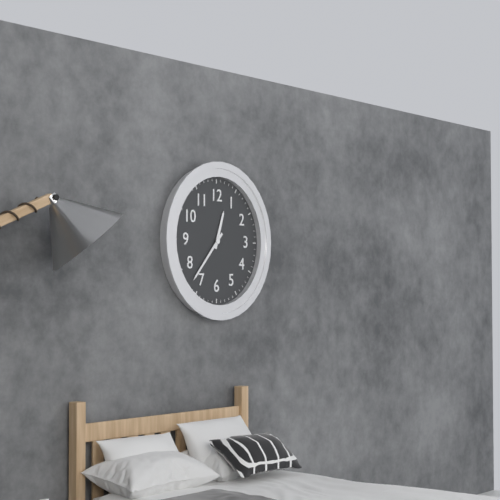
**12:37**
